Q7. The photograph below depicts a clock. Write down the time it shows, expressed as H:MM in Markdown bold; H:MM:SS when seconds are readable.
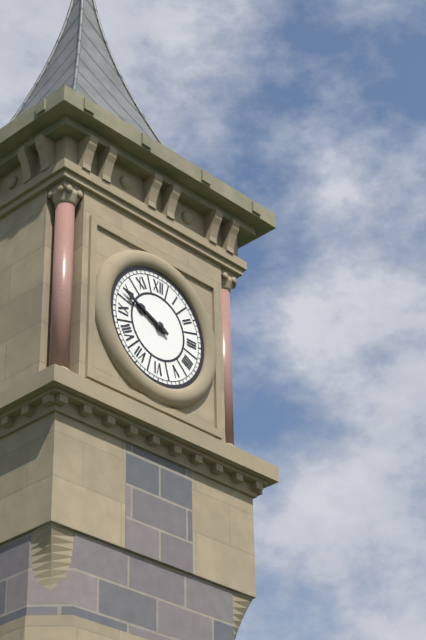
**9:49**
